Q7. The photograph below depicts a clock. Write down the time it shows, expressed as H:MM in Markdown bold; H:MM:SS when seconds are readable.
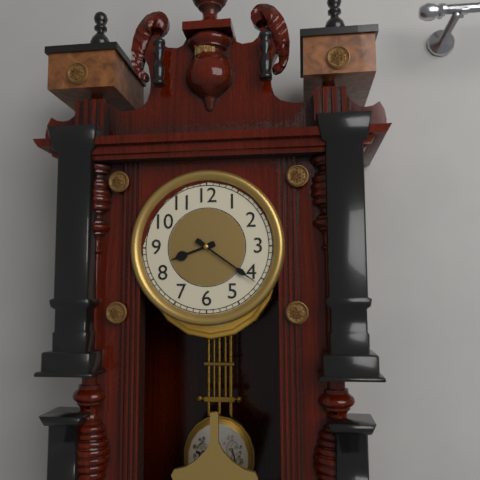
**8:21**
